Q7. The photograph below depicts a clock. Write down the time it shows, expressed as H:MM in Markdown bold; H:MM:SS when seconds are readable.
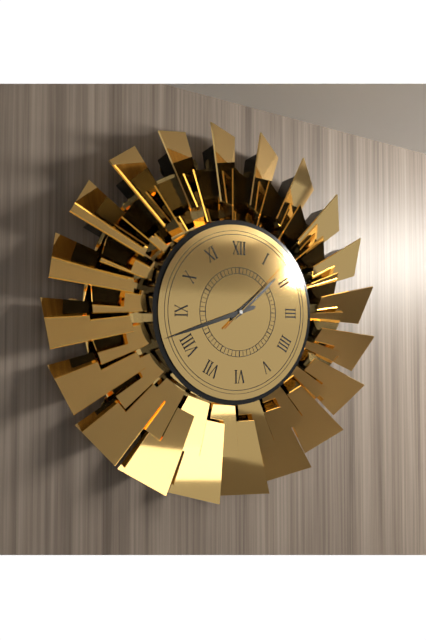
**1:42:08**
